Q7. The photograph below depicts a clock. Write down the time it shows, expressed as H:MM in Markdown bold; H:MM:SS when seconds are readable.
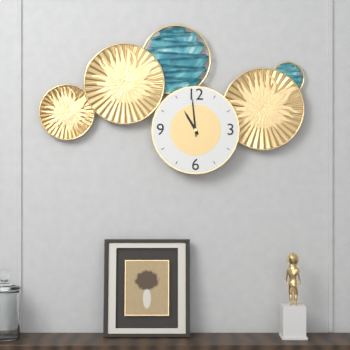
**10:59**
